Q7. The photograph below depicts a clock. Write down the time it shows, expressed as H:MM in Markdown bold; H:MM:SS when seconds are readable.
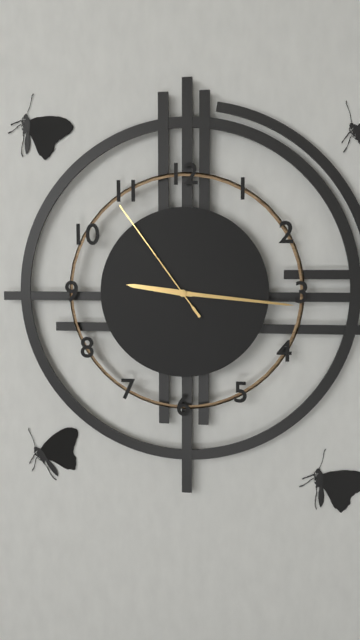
**9:16:54**
